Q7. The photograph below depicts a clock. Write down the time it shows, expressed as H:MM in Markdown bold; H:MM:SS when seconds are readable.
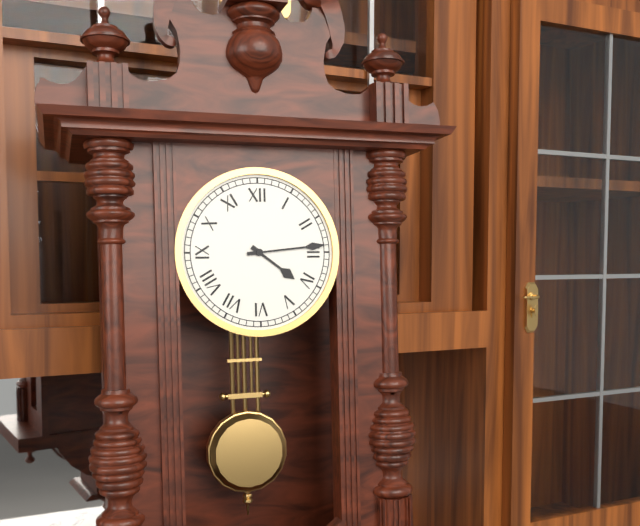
**4:14**
